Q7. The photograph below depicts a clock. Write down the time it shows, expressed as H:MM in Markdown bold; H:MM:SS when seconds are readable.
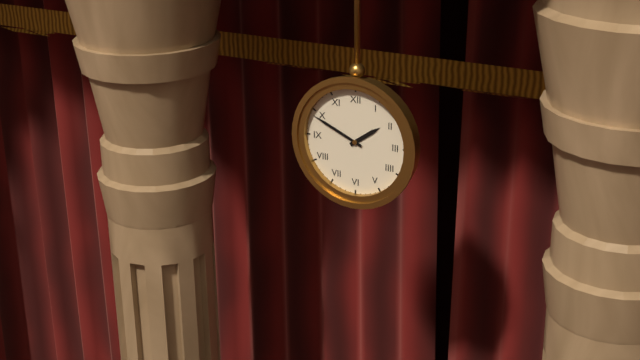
**1:49**
